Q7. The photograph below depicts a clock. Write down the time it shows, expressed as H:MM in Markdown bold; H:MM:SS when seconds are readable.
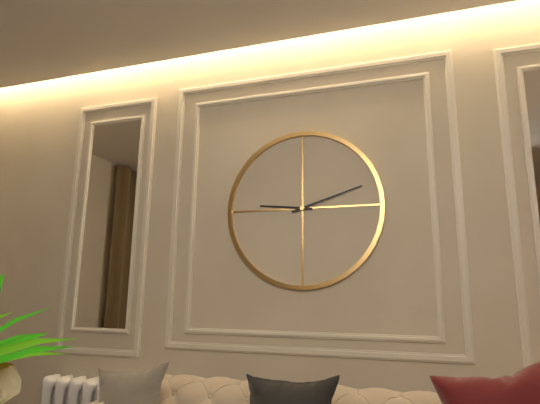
**9:12**
